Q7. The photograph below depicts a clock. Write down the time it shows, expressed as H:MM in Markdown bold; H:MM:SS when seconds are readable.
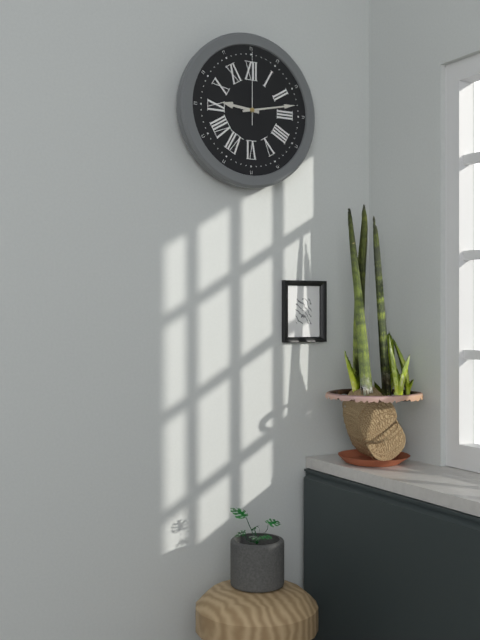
**9:13:00**
